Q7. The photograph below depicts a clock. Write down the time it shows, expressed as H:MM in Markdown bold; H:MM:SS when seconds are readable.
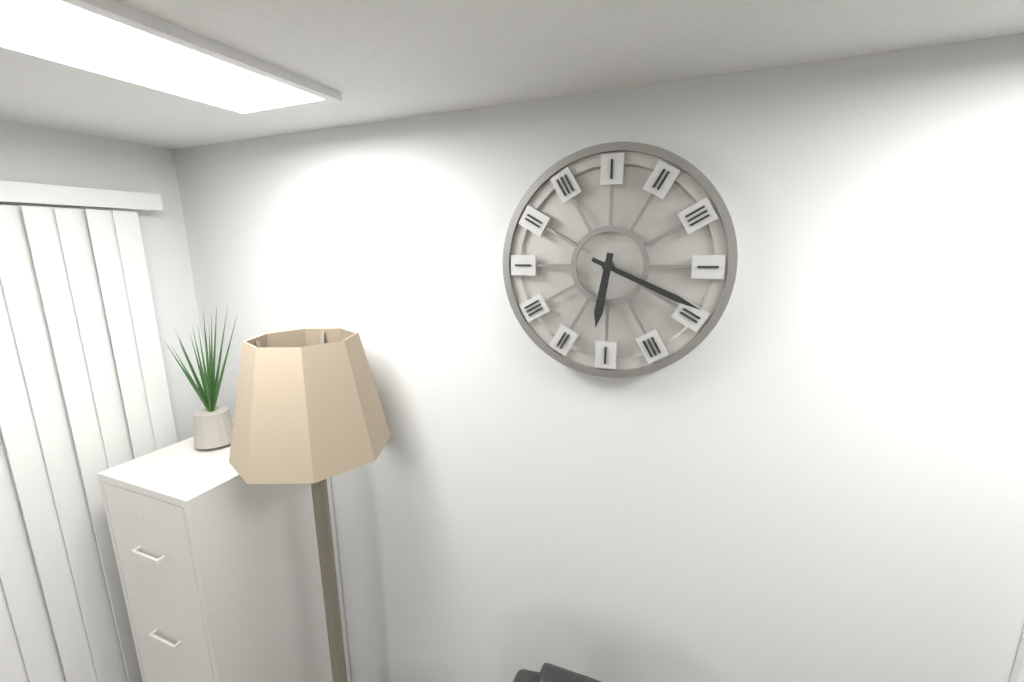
**6:19**
